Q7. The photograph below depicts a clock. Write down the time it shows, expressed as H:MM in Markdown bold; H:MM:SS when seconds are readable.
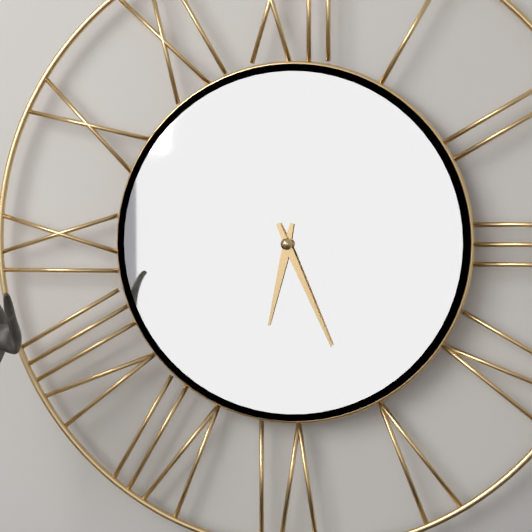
**6:26**
